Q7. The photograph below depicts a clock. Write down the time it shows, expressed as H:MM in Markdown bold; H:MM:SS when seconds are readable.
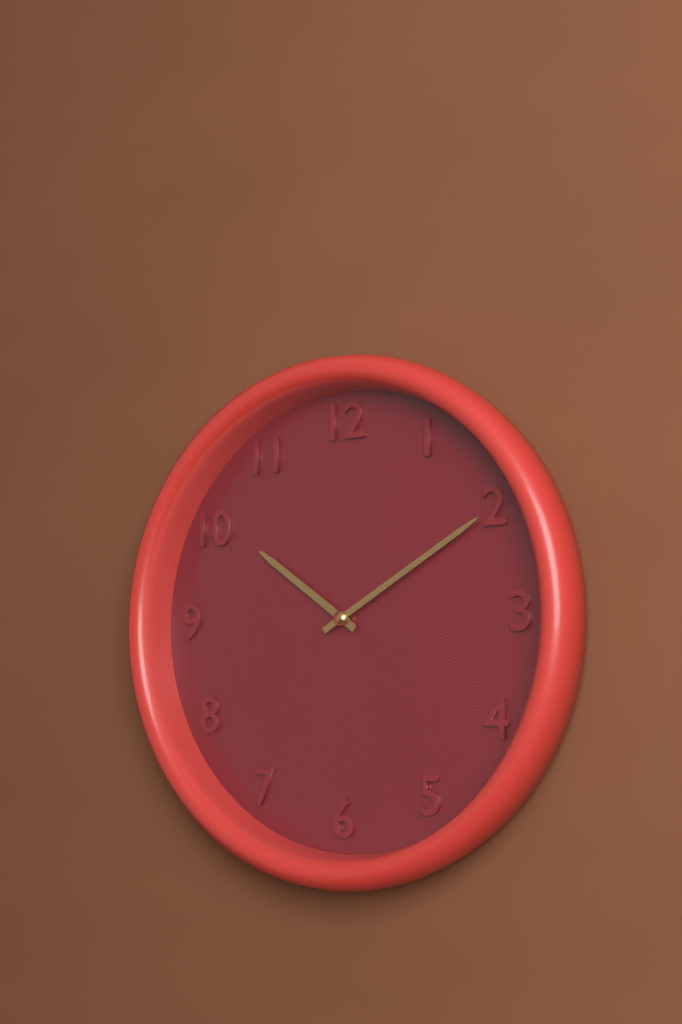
**10:10**
